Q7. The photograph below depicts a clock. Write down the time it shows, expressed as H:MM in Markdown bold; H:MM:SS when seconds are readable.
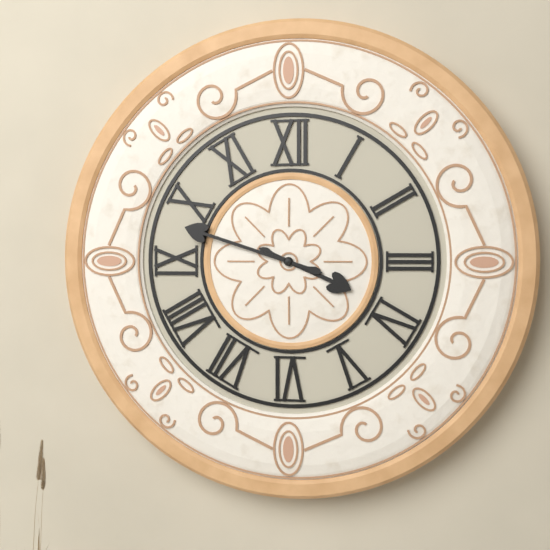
**3:48**
